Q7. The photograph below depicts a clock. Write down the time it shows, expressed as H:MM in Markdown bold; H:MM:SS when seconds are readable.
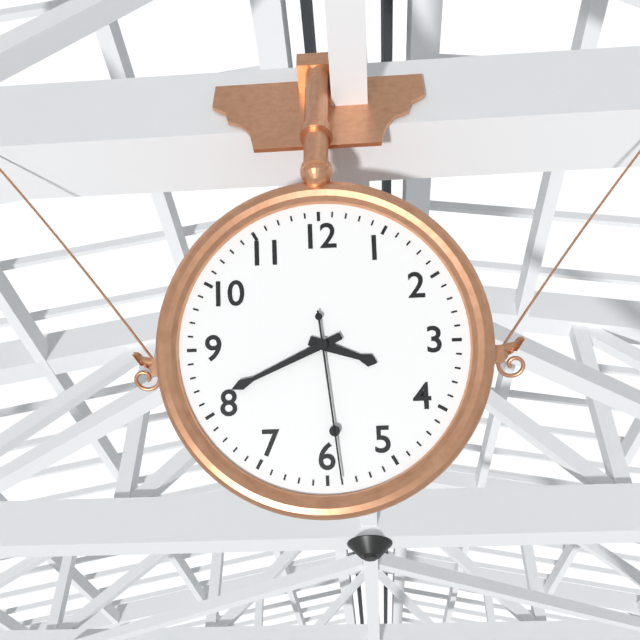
**3:41:29**
